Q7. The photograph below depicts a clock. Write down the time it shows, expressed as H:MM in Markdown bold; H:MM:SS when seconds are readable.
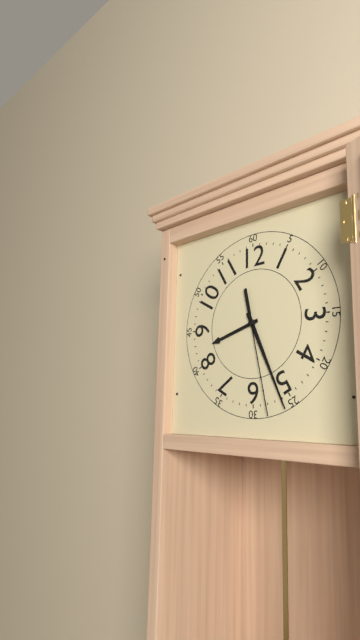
**8:26:28**
